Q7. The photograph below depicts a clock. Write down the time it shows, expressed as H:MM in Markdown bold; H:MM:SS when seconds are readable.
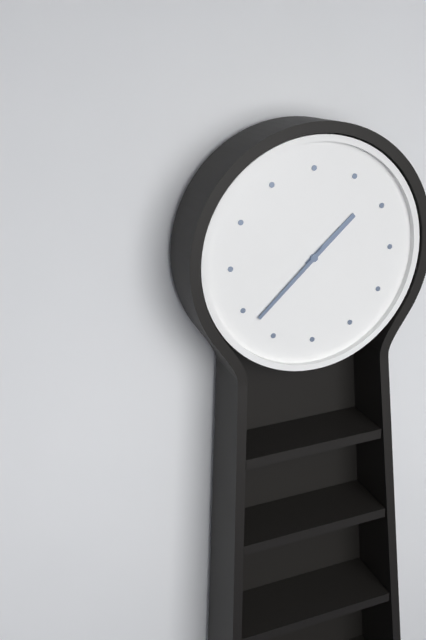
**1:38**
